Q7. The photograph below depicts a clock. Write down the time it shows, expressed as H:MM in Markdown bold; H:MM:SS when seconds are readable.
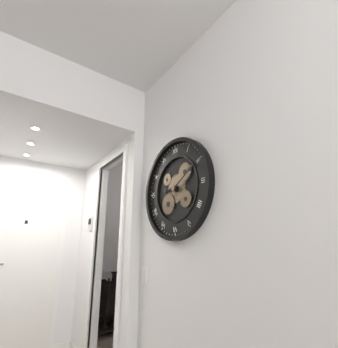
**9:10**
